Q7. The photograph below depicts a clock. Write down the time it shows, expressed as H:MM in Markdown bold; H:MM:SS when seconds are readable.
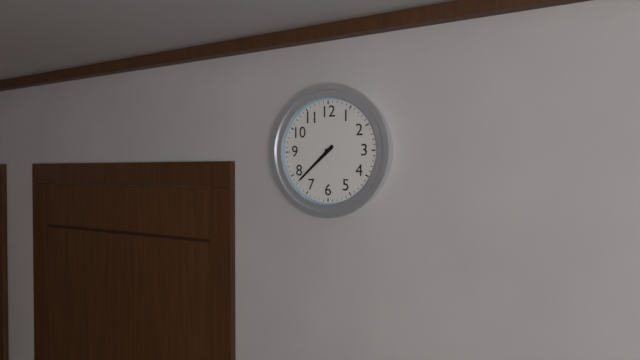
**7:38**
